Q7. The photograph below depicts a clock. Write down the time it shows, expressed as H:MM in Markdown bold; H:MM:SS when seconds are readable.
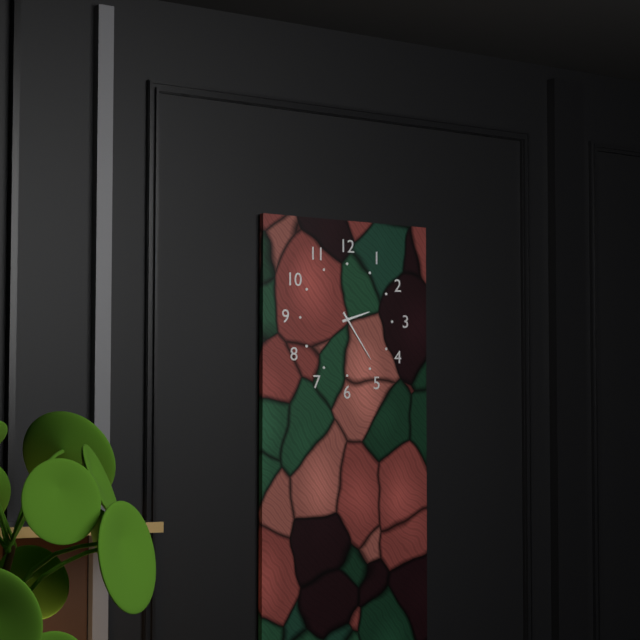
**2:24**
